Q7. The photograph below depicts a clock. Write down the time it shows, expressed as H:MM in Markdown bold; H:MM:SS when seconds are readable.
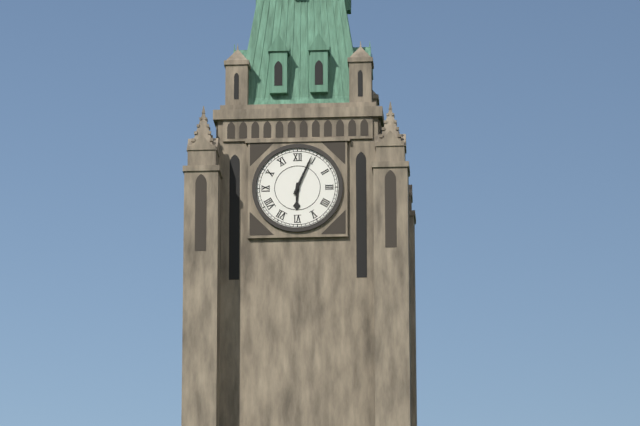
**6:04**
